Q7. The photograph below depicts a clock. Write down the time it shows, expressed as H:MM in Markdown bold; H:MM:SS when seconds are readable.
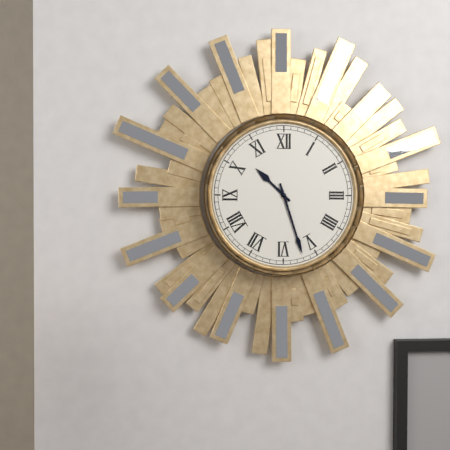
**10:27**
